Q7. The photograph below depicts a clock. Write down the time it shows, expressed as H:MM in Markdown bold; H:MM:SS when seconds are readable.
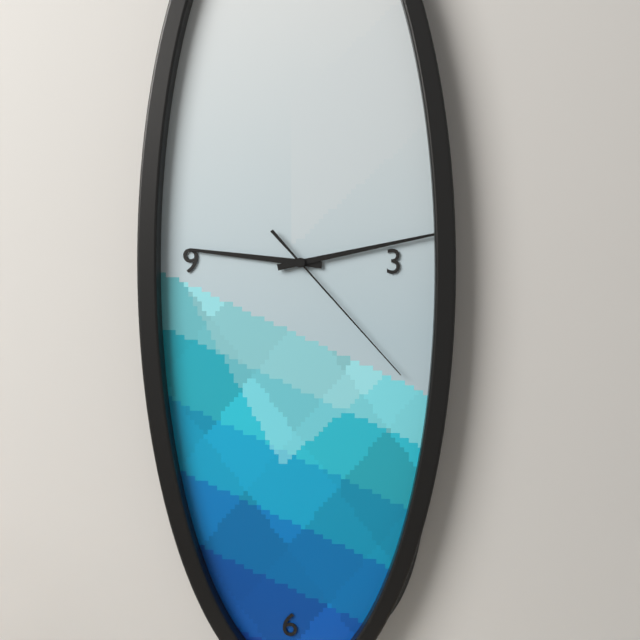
**9:13:23**
